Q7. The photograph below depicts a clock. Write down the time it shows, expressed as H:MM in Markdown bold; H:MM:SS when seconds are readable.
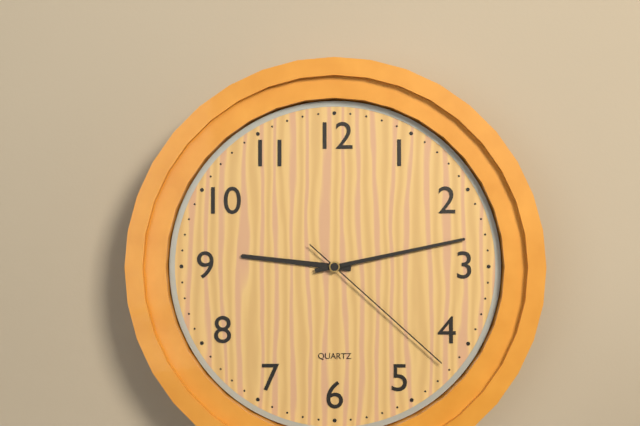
**9:13:22**
